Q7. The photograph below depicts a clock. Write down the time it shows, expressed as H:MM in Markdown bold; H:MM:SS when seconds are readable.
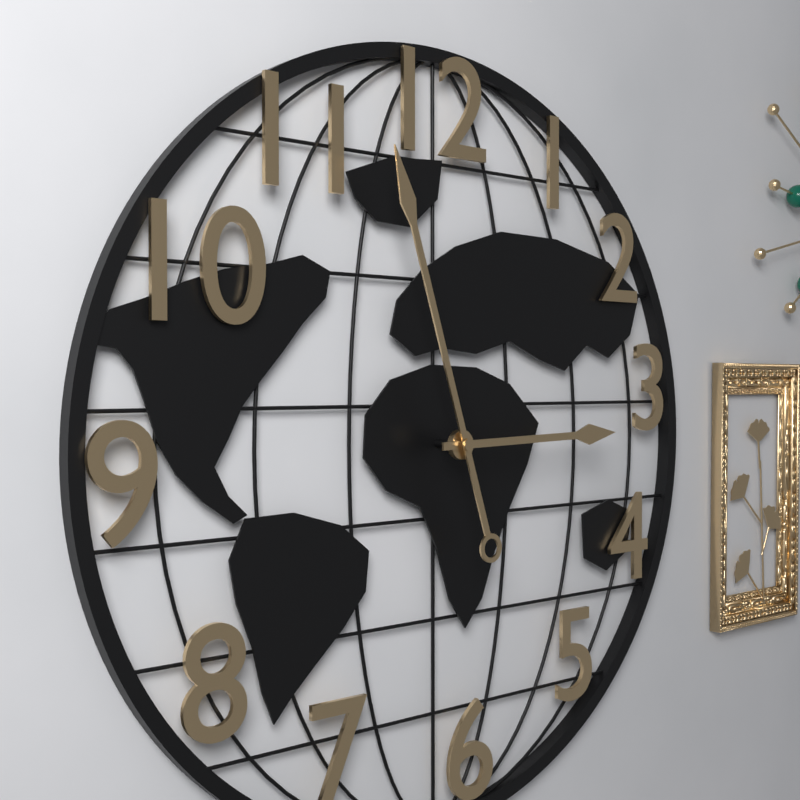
**2:57**
